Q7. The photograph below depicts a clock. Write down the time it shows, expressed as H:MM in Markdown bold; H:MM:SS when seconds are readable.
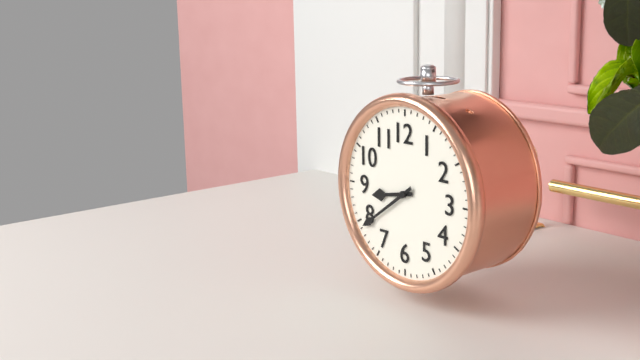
**8:39**
